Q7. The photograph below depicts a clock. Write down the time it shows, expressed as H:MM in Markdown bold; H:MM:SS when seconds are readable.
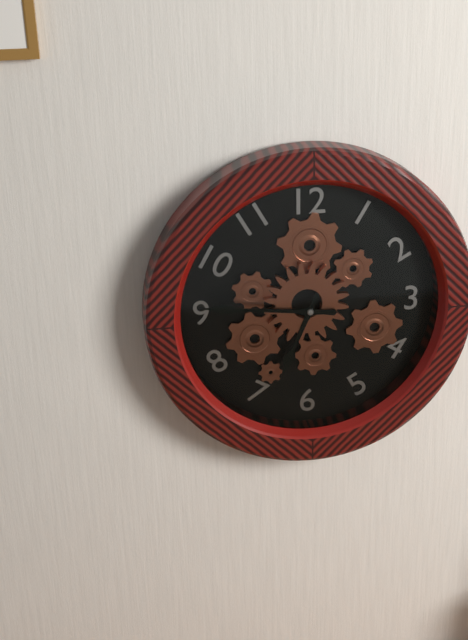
**6:46**
